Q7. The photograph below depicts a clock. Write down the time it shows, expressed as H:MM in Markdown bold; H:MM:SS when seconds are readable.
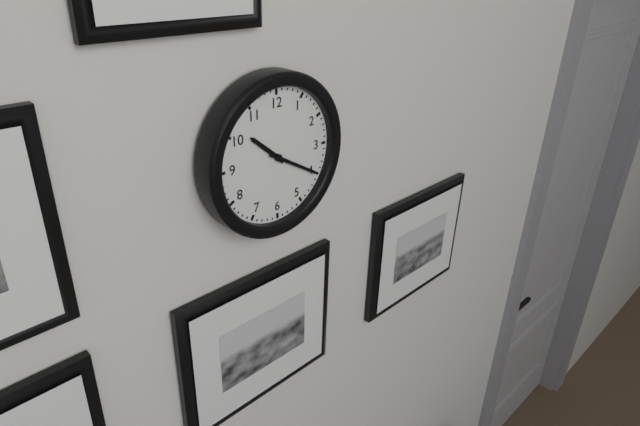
**10:20**
